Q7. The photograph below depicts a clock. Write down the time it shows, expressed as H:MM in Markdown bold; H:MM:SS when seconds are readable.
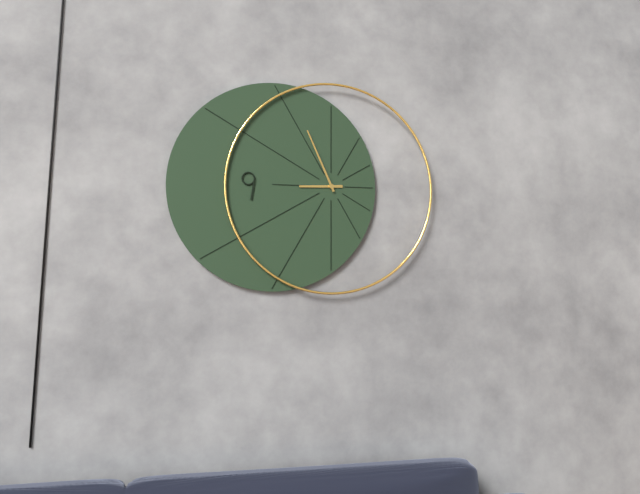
**8:56**
